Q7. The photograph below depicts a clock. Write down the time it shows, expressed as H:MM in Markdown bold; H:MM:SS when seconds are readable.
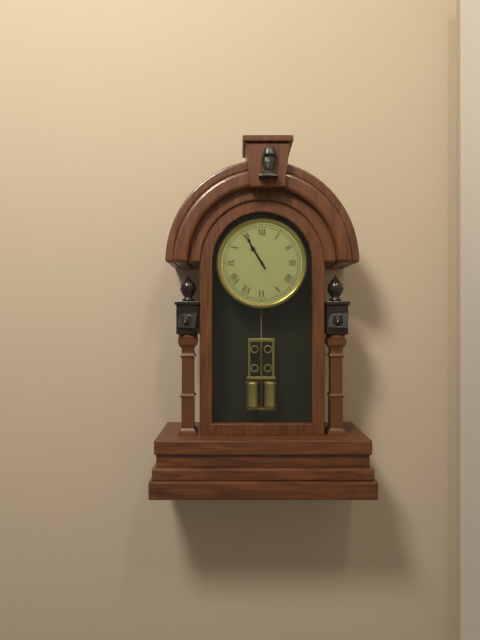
**10:55**
